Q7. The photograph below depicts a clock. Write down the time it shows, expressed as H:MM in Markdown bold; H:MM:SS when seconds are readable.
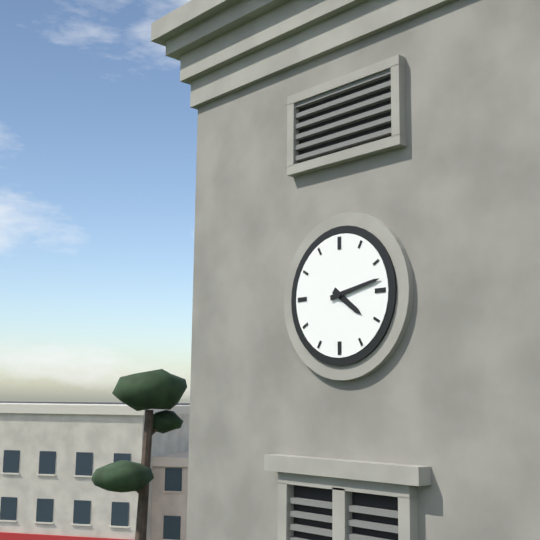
**4:13**
